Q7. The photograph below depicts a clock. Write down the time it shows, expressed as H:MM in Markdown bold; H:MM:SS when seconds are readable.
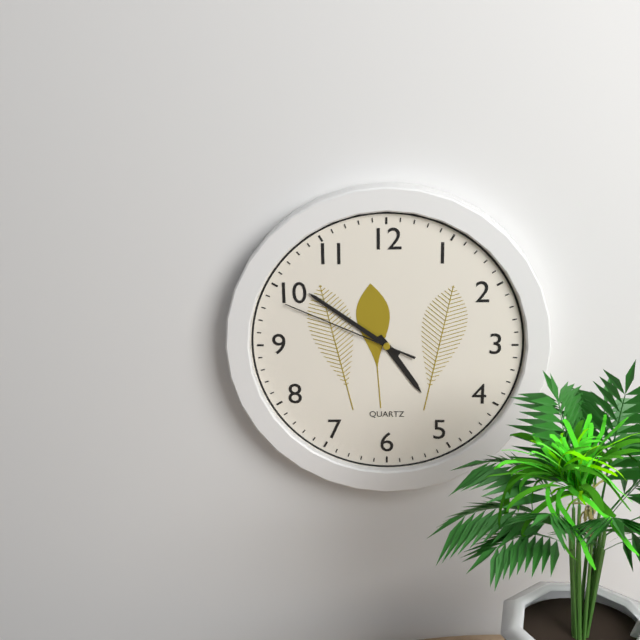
**4:51:49**
